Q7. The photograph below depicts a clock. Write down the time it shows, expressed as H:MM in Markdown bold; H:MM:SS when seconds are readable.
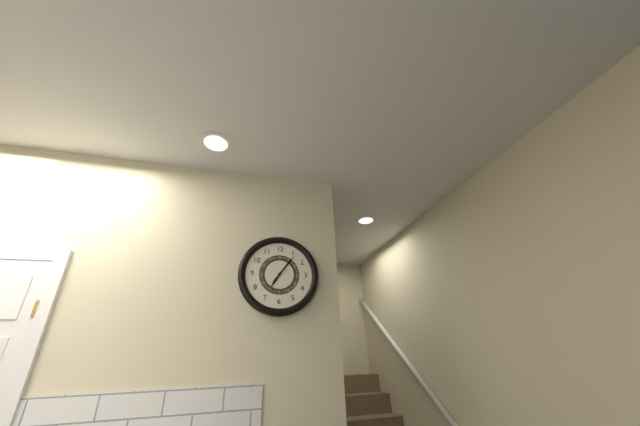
**7:06**
